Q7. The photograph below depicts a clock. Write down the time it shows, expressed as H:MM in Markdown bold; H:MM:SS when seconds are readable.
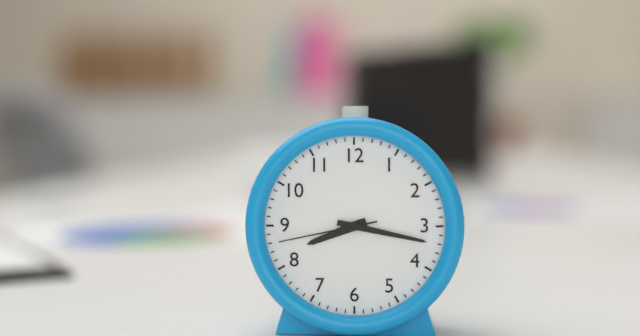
**8:17:43**
